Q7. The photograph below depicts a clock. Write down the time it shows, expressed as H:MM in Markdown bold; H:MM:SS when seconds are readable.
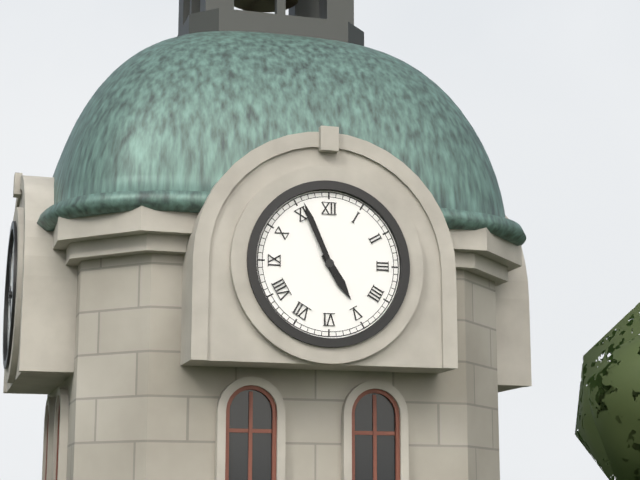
**4:56**
